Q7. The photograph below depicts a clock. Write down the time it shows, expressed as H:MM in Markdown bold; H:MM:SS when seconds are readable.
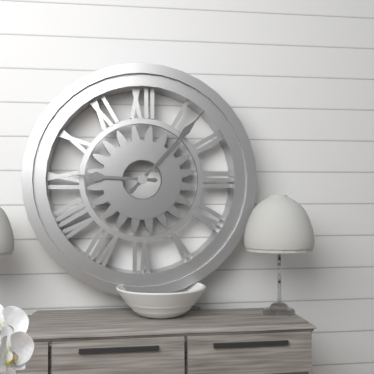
**9:07**
